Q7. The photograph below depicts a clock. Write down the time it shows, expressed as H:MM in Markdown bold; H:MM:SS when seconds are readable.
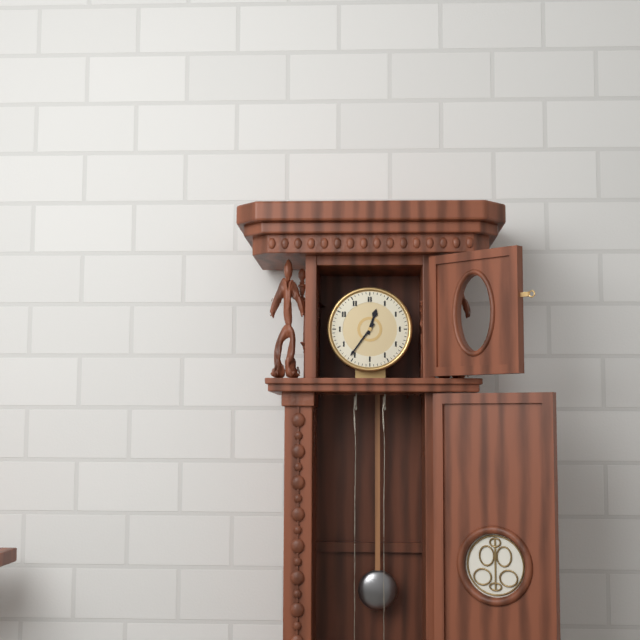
**12:36**
